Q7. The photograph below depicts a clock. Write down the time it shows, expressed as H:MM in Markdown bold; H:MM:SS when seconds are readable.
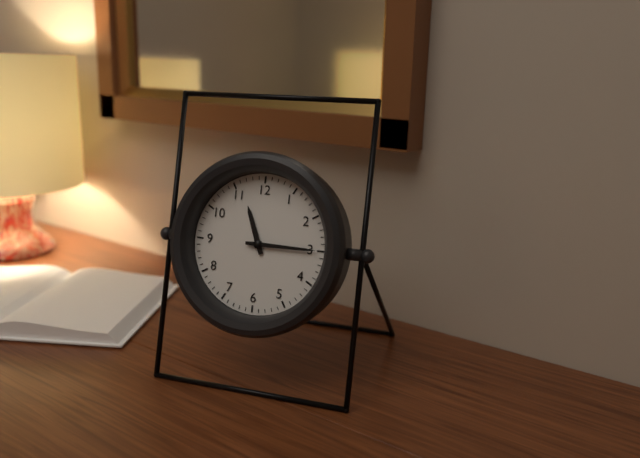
**11:15**
